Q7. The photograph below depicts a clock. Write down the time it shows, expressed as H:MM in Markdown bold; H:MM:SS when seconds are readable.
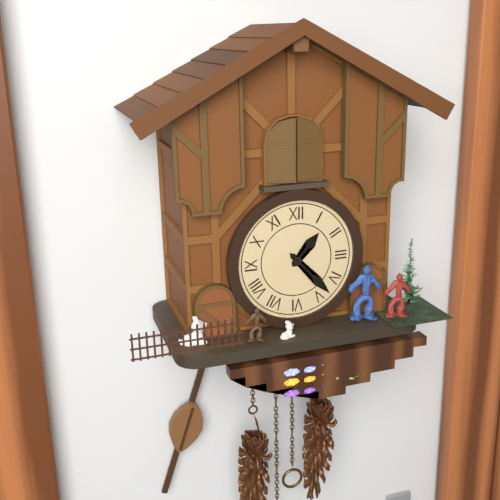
**1:23**
